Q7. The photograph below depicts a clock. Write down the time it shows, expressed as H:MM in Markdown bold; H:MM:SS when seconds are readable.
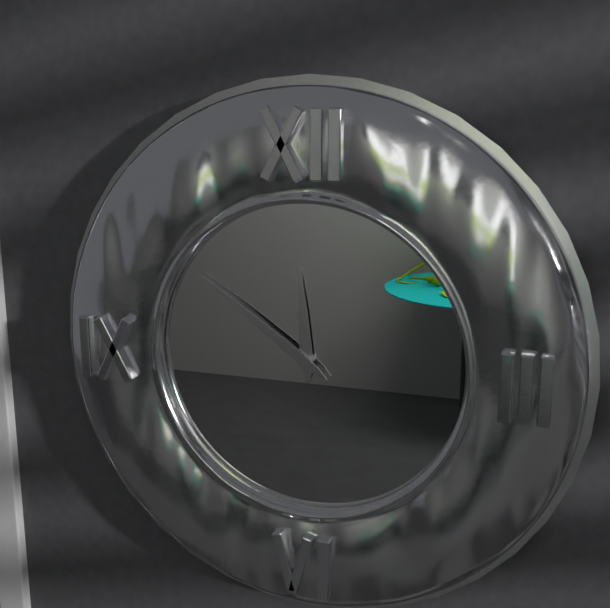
**11:51**
